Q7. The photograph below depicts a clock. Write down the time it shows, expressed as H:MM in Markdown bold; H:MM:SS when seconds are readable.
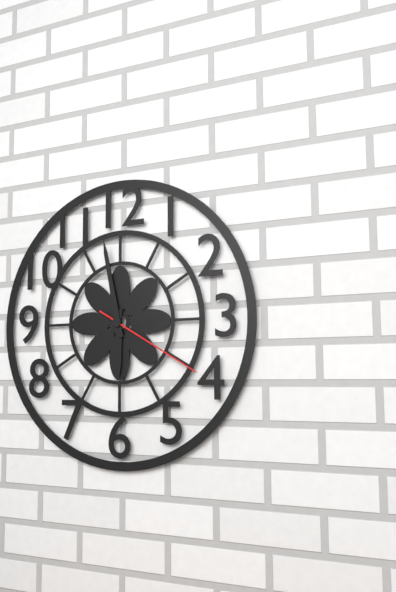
**5:58:20**
